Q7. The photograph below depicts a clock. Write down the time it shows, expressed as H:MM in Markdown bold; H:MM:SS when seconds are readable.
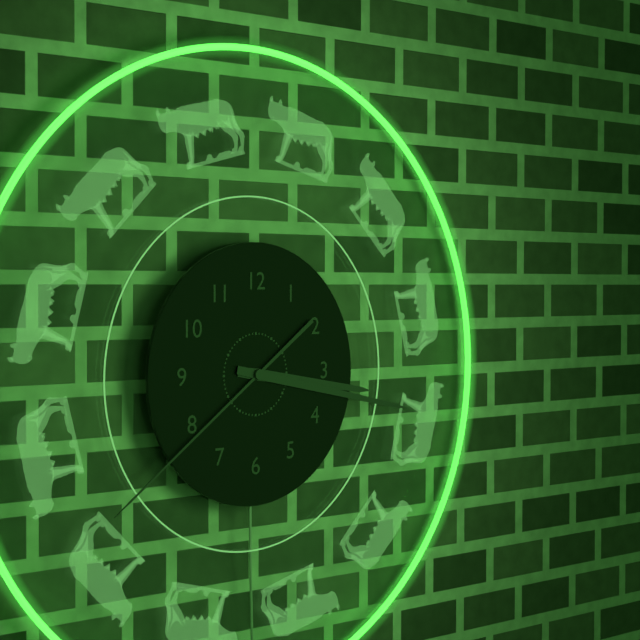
**3:17:39**
